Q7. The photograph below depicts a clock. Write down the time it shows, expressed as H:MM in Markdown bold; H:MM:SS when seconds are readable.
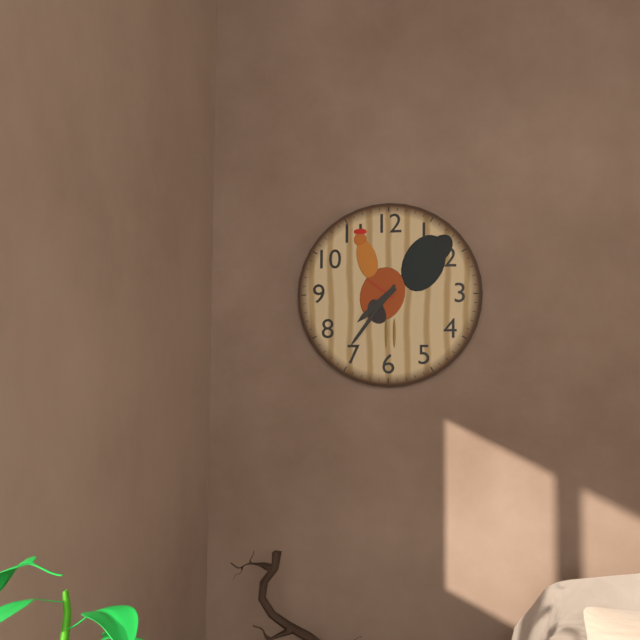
**7:36**
